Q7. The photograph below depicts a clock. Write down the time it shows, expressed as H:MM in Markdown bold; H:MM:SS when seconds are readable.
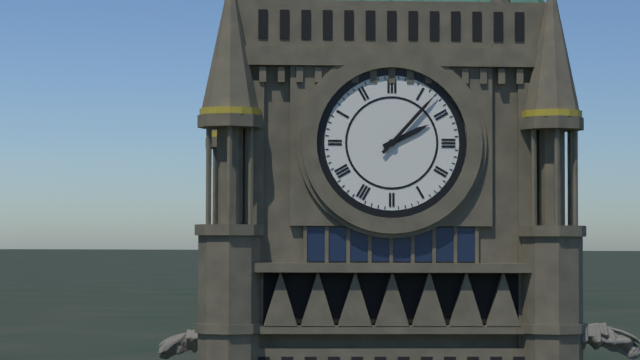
**2:07**
